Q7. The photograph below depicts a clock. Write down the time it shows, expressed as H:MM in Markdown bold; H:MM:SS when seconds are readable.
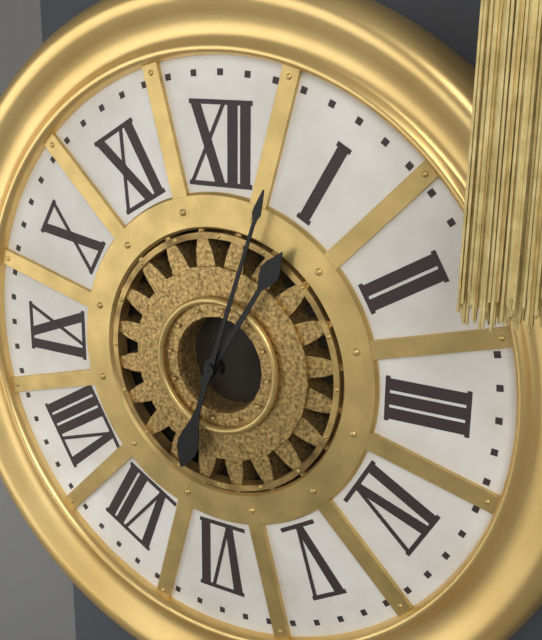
**1:03**
